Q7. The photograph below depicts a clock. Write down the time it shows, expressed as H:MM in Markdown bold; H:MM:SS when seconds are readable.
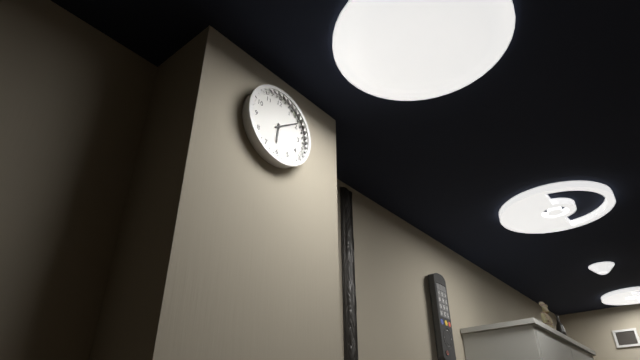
**6:09**
